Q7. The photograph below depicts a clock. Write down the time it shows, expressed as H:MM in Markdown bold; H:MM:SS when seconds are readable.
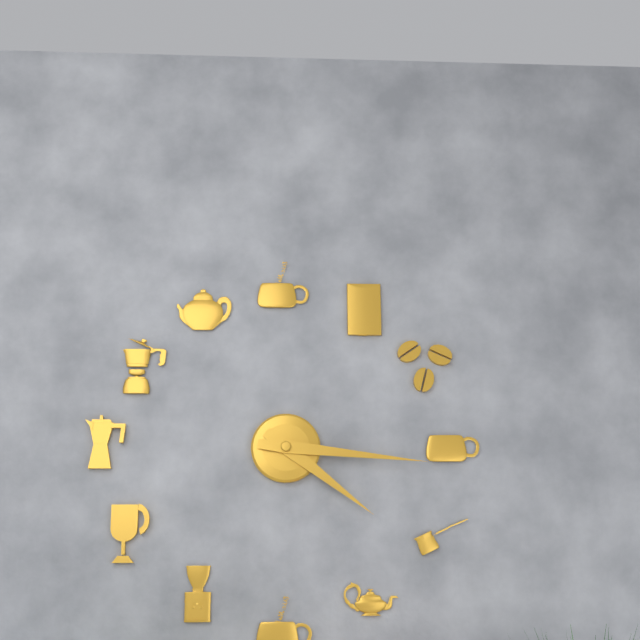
**4:16**
